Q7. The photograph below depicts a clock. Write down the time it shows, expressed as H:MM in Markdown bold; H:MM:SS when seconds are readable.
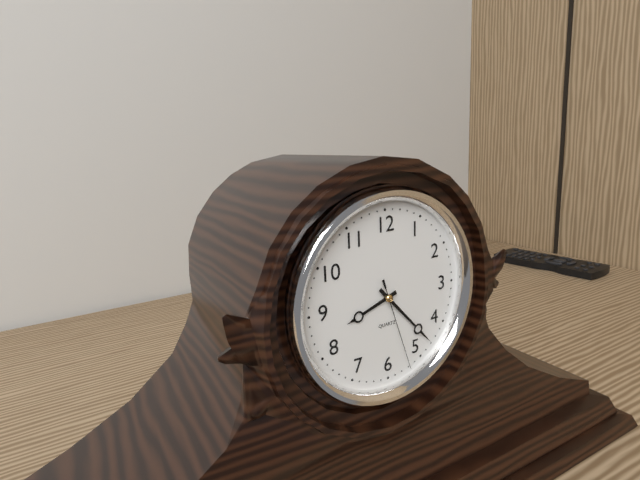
**8:23:27**
